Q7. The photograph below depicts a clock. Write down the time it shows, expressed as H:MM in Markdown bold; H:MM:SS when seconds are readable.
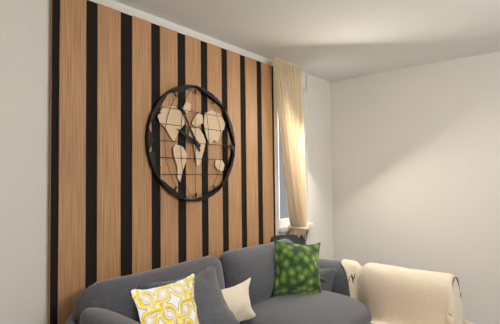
**9:55**
